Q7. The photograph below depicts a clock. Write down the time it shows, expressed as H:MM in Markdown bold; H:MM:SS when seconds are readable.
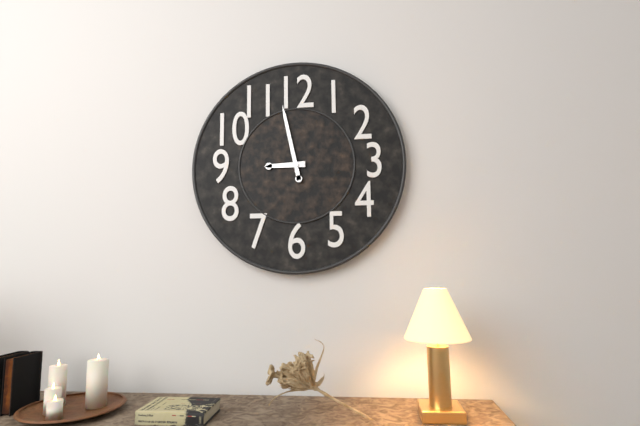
**8:58**
